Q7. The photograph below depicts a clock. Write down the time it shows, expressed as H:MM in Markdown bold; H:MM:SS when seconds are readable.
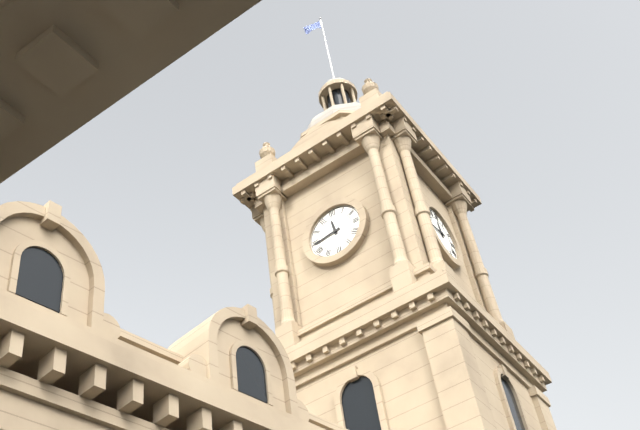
**11:44**
